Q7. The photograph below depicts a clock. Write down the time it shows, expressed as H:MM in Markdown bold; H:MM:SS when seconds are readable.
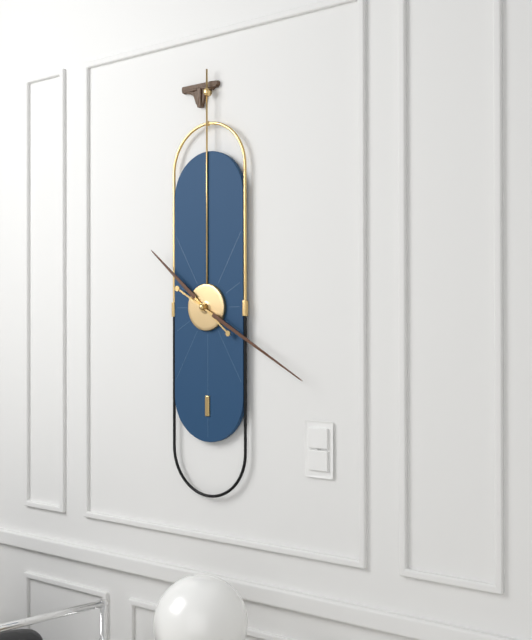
**10:20**
